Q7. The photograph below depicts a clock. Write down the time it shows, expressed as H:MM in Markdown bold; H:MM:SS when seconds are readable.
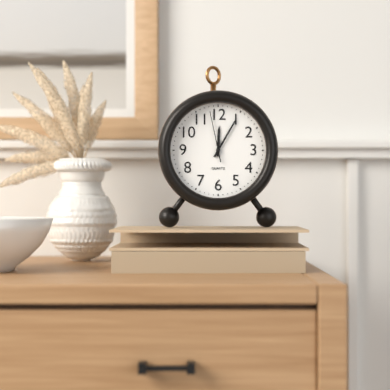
**12:05:58**
